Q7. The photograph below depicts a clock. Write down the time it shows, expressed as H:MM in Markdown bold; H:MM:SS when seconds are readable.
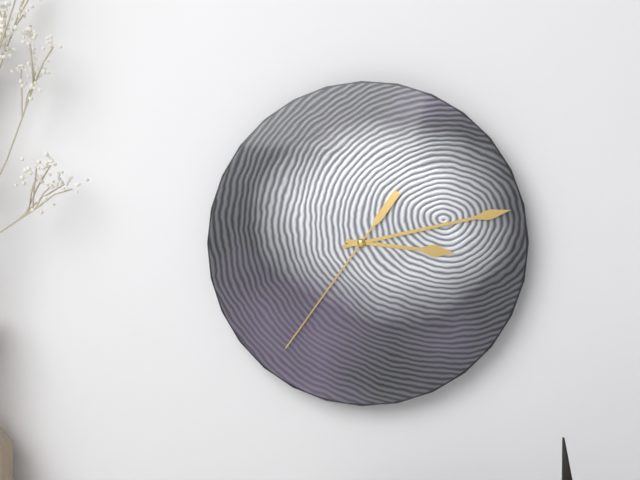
**3:13:36**
